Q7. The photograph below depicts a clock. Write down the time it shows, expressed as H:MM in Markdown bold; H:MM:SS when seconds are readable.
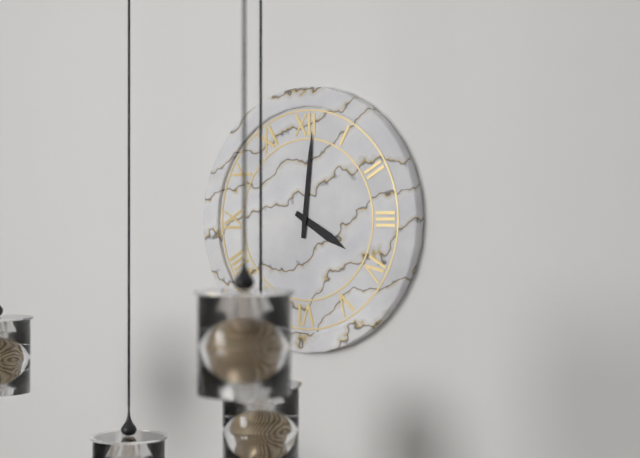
**4:01**
